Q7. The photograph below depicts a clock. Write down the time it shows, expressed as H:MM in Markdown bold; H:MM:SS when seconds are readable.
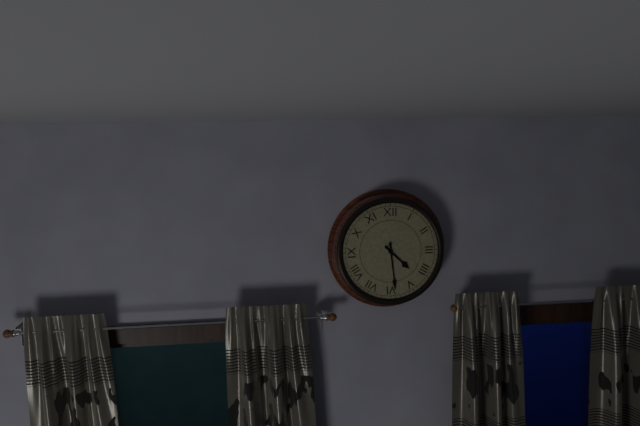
**4:29**
